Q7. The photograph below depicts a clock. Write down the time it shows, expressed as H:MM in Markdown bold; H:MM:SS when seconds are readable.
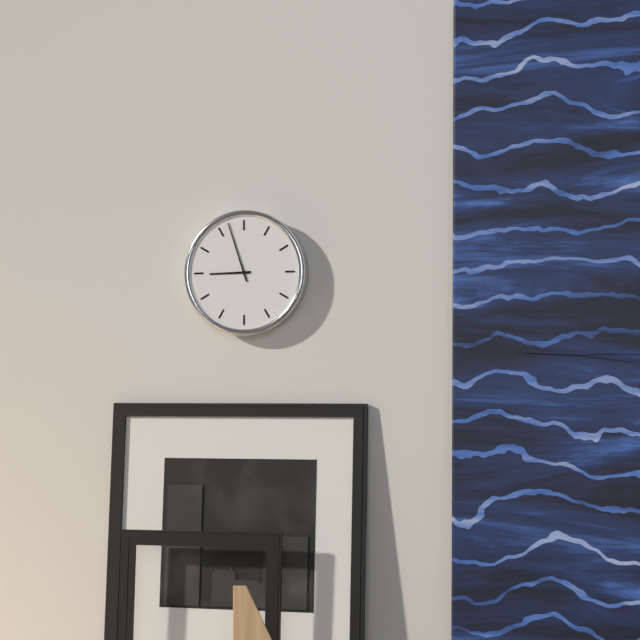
**8:57**
